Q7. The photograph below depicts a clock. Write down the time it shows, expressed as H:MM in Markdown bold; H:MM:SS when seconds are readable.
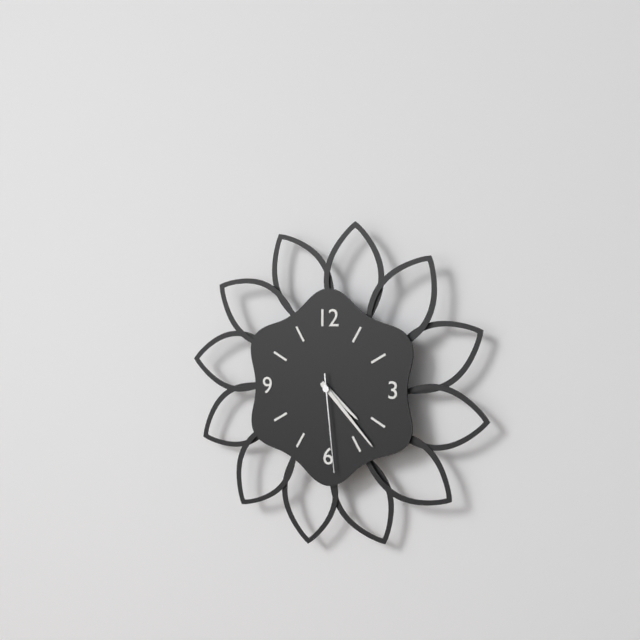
**4:23:29**
